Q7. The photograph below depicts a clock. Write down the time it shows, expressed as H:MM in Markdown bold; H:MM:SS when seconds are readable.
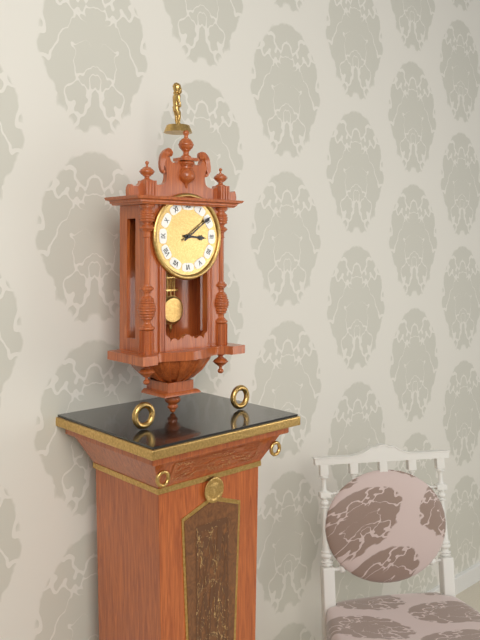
**3:09**
